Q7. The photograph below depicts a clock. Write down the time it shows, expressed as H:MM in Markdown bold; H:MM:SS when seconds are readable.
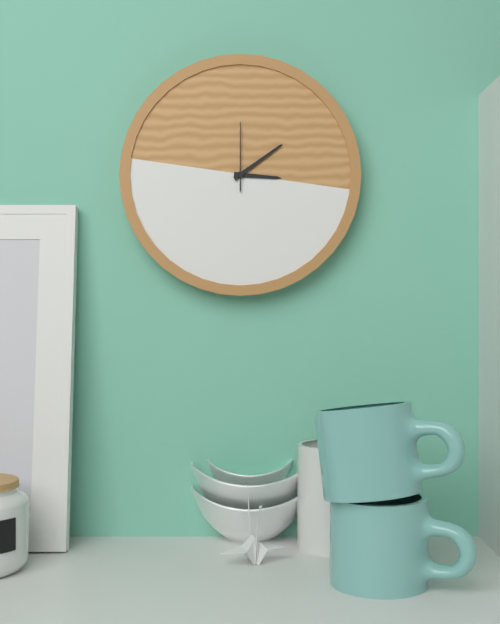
**3:09:00**
